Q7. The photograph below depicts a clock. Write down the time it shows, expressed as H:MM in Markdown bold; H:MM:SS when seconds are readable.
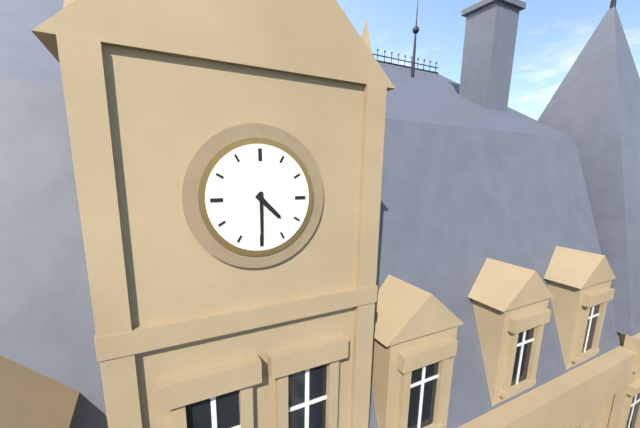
**4:30**
